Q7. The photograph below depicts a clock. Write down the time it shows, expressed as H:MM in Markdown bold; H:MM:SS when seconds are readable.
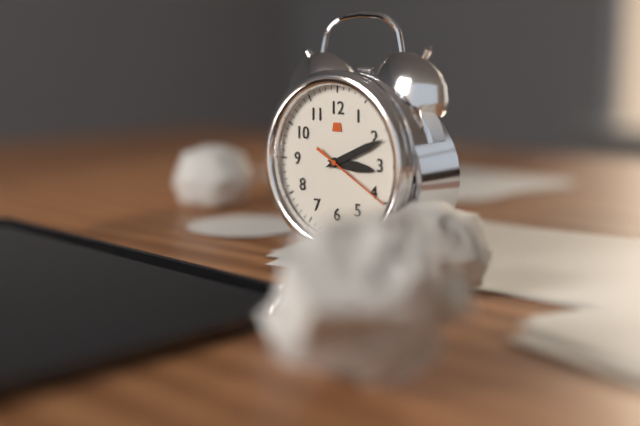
**3:11:20**
